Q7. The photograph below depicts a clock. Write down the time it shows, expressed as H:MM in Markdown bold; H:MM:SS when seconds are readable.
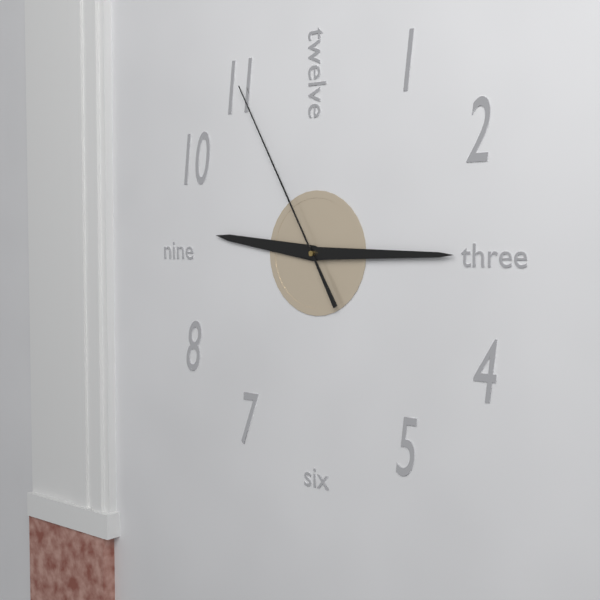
**9:15:55**
